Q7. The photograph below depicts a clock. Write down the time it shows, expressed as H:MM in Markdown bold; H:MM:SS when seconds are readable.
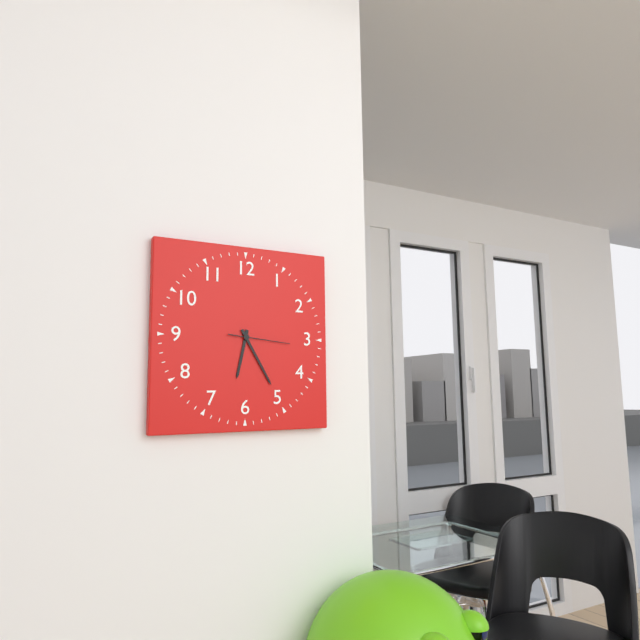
**6:25:16**
